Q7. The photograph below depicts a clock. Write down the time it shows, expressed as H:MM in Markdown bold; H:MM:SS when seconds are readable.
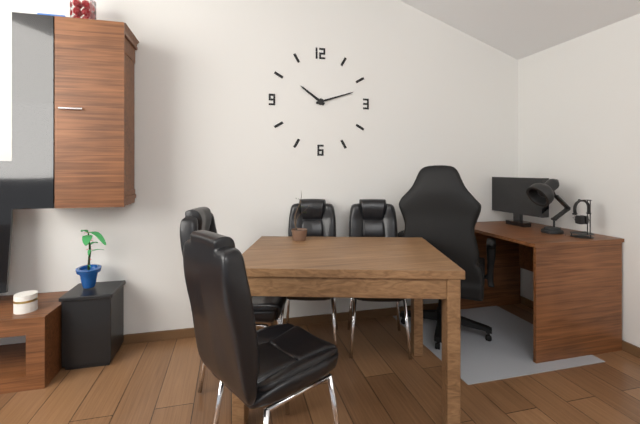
**10:12**
